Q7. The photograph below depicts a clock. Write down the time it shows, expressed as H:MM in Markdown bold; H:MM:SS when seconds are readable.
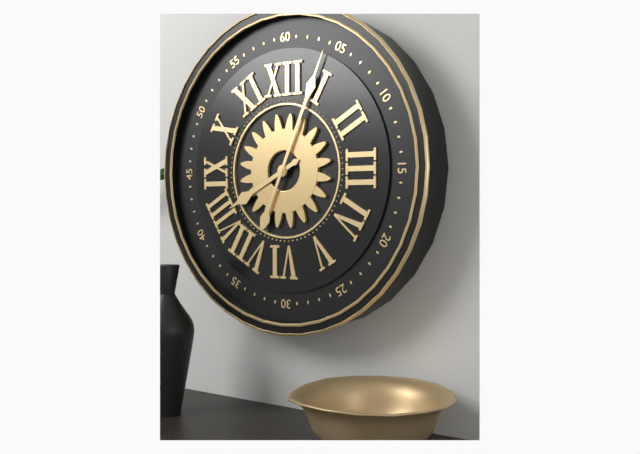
**8:04**
